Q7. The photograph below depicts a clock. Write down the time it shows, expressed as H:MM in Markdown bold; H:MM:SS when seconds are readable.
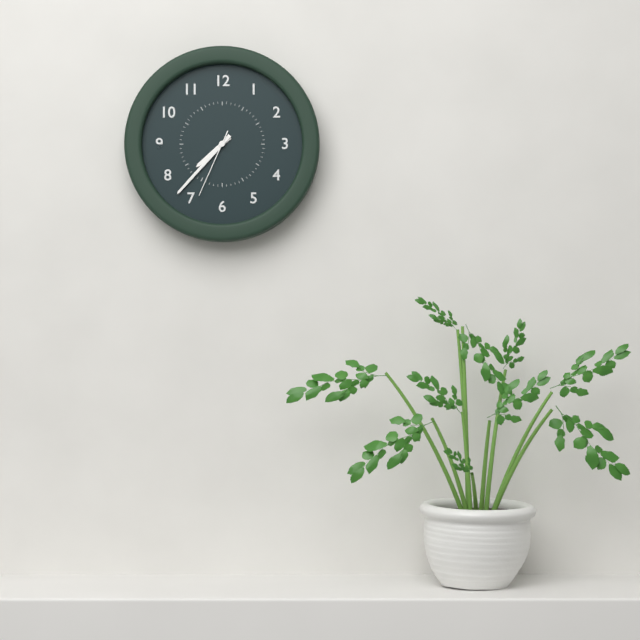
**7:37:34**
